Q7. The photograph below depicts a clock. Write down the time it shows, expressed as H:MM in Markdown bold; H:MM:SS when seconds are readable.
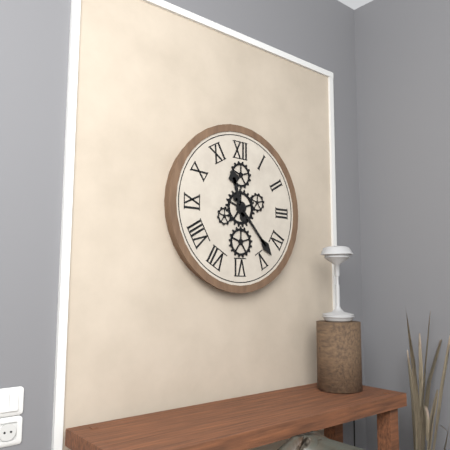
**11:23**
